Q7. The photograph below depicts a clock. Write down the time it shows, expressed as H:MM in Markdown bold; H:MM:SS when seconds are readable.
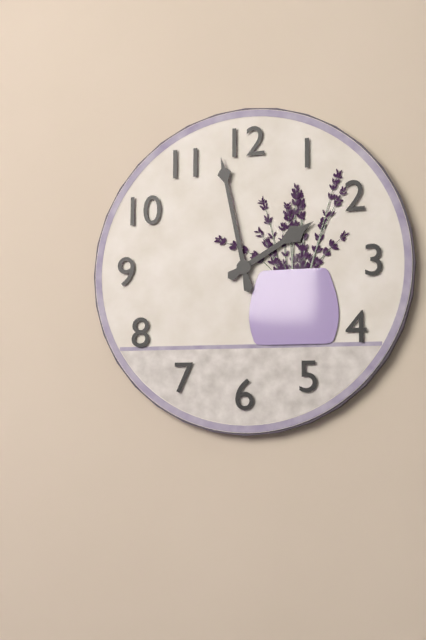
**1:58**
